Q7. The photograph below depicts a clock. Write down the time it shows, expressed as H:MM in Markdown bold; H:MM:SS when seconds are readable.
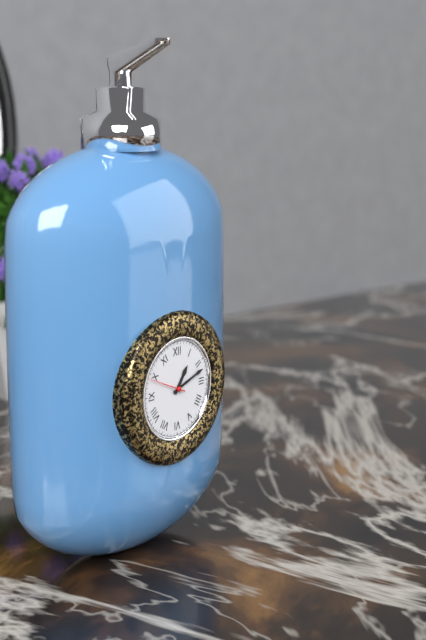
**1:12**
